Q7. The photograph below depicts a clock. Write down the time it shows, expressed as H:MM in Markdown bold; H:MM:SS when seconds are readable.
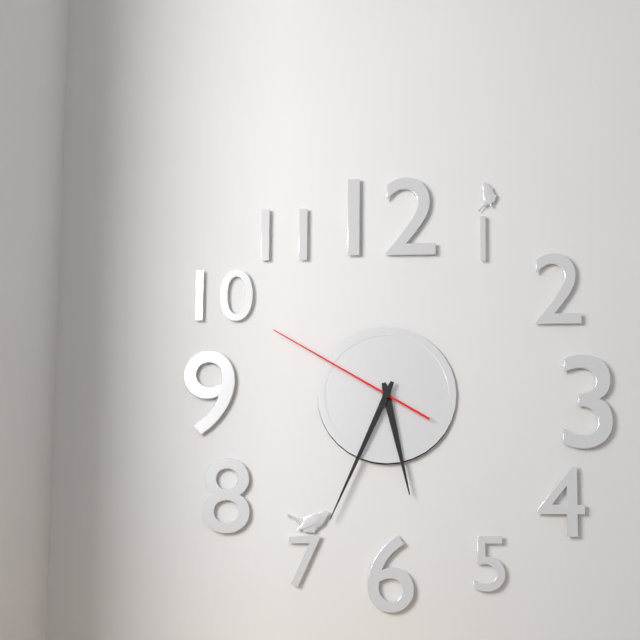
**5:34:50**
